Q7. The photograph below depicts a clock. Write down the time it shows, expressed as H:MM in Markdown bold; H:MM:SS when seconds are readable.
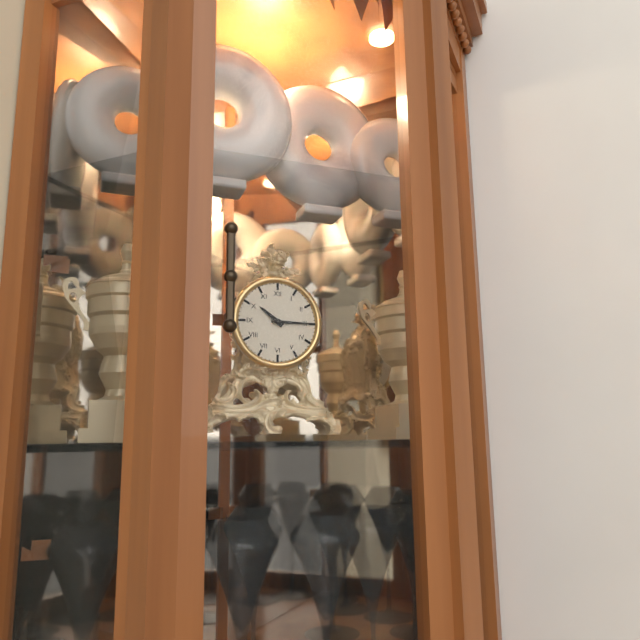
**10:15**
